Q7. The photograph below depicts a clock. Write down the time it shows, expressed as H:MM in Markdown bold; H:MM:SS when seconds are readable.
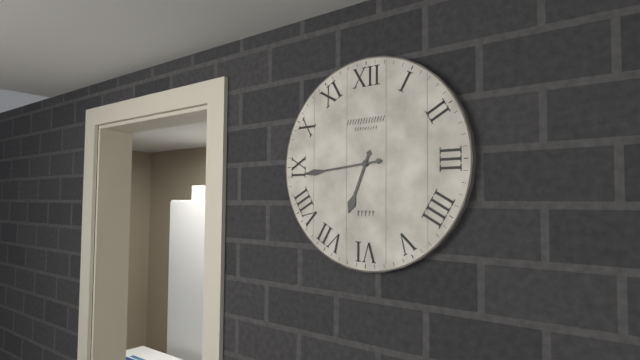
**6:44**
